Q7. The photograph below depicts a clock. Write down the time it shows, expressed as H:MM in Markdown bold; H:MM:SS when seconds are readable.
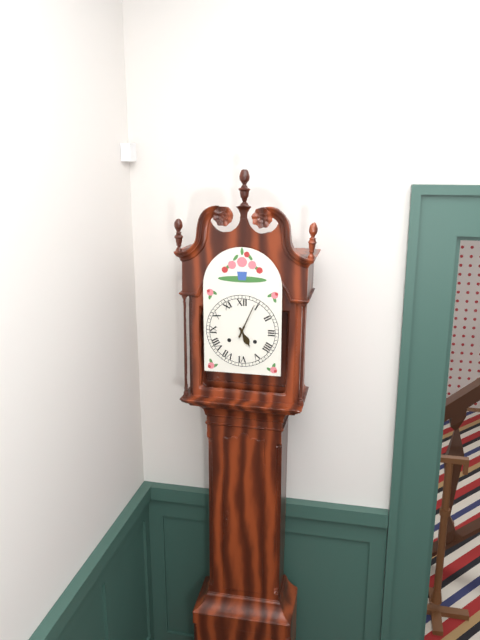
**5:04**
